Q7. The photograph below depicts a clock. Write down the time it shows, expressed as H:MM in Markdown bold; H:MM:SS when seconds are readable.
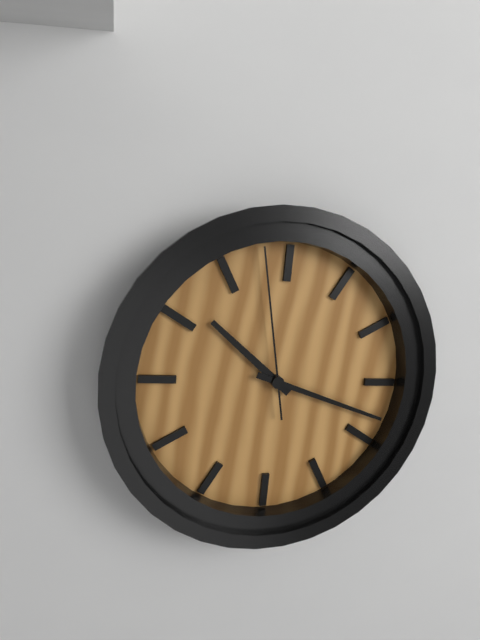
**10:18:58**
